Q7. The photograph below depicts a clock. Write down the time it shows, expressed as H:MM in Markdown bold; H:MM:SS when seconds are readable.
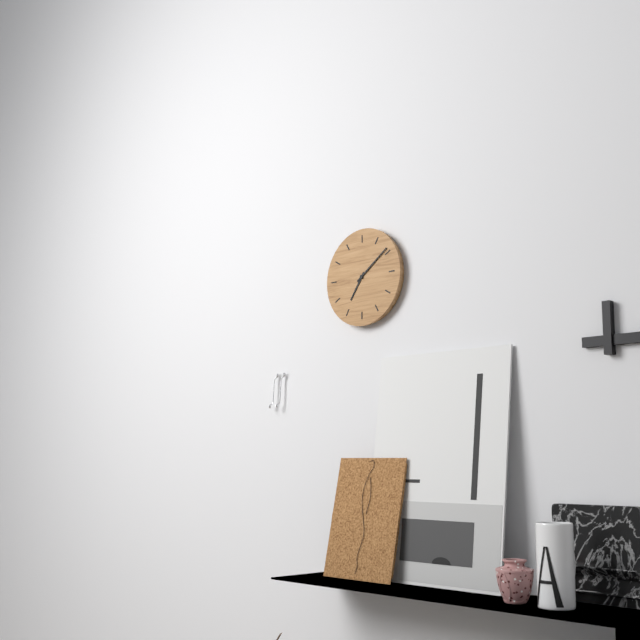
**7:09**
